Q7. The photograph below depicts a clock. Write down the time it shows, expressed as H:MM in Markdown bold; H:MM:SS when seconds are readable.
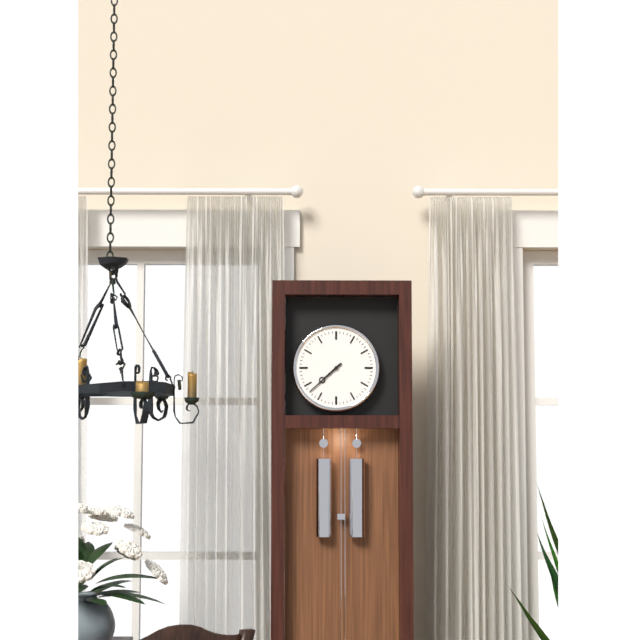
**7:38**
